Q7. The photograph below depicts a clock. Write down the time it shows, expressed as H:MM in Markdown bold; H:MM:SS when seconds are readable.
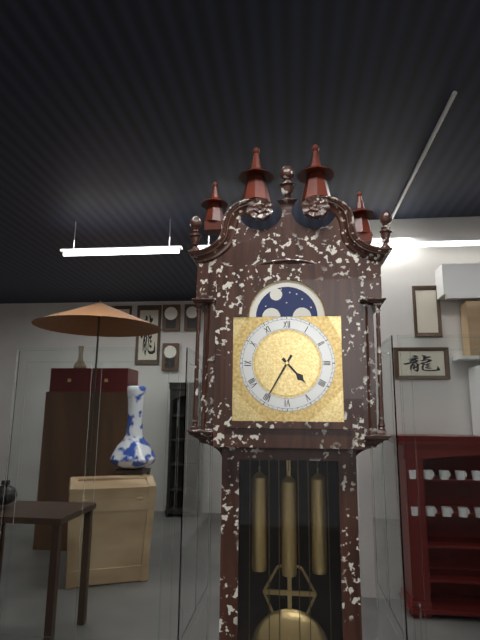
**4:35**
